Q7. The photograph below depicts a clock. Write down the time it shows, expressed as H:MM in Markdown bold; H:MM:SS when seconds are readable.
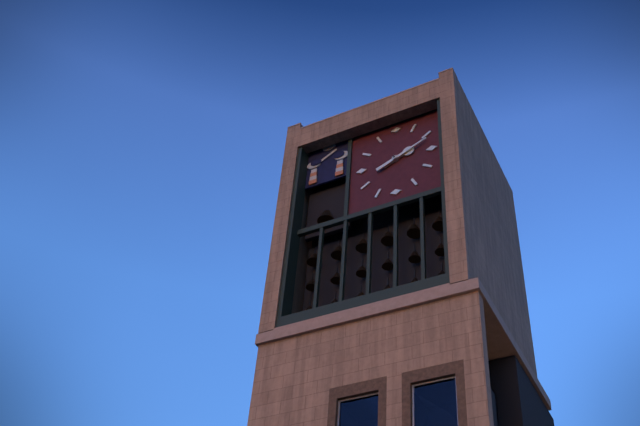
**2:11**
